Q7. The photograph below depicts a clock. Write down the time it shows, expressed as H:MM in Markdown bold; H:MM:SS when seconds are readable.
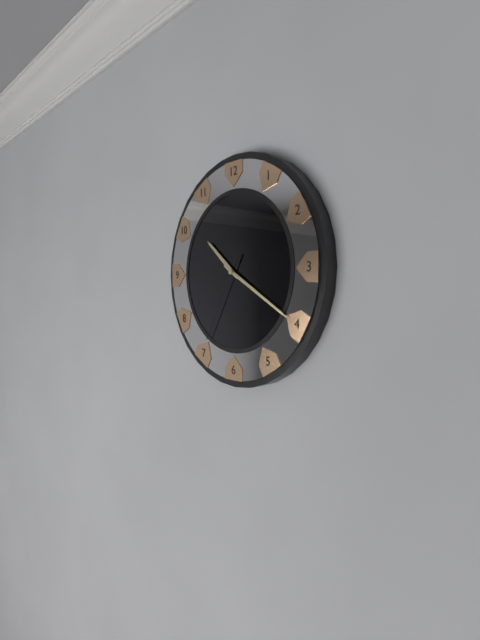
**10:20:35**
